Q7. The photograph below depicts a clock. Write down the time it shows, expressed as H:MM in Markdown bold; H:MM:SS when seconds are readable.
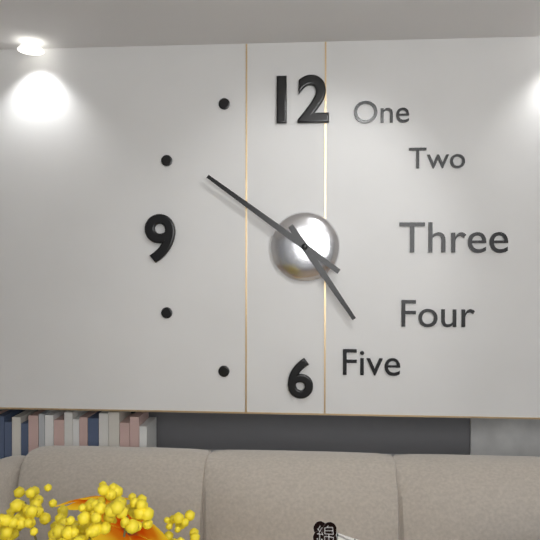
**4:51**
